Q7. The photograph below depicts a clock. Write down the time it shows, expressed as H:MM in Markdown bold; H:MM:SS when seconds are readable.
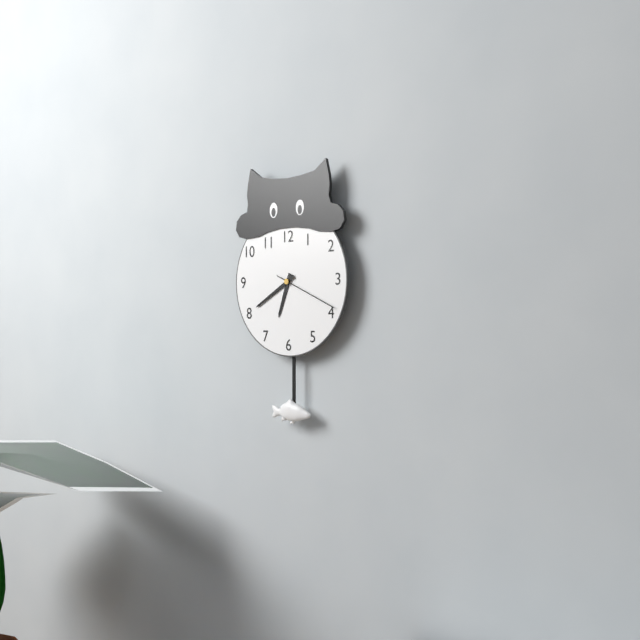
**6:40:19**
